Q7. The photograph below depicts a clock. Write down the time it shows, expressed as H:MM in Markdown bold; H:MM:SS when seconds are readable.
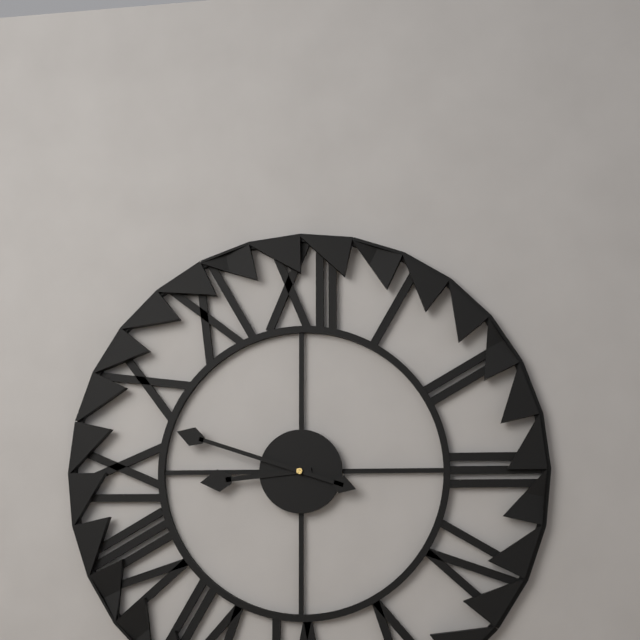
**8:48**
